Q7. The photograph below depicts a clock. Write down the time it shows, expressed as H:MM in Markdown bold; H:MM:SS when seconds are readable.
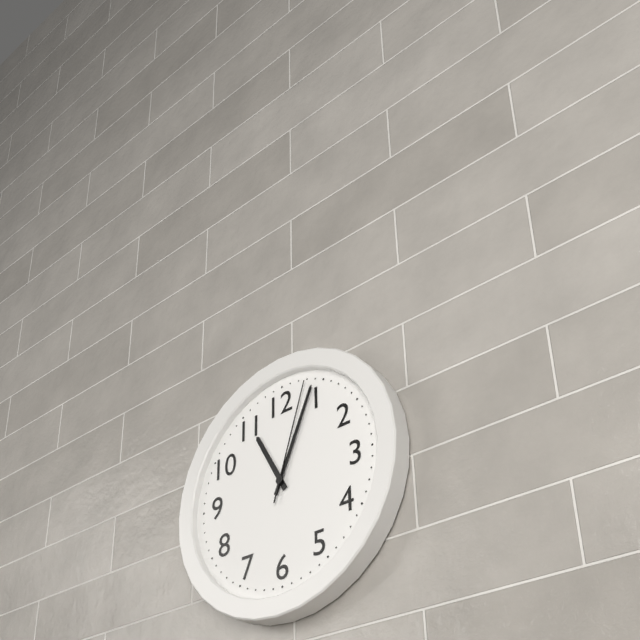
**11:04:03**
